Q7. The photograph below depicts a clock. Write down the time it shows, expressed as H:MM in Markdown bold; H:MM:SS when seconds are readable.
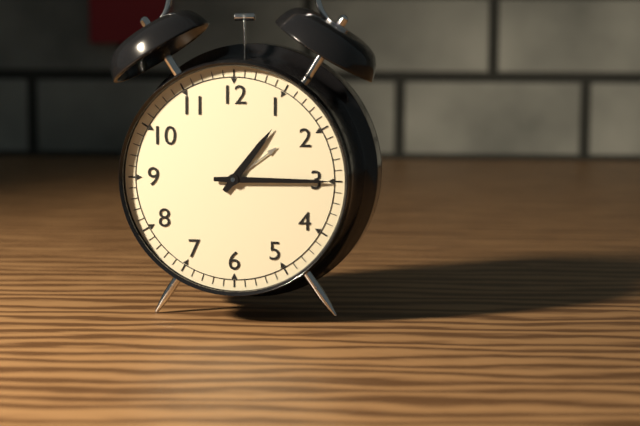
**1:15**
